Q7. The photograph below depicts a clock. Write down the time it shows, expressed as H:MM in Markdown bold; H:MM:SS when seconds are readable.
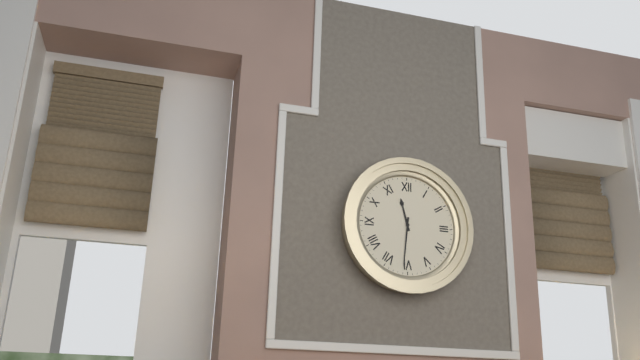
**11:31**
